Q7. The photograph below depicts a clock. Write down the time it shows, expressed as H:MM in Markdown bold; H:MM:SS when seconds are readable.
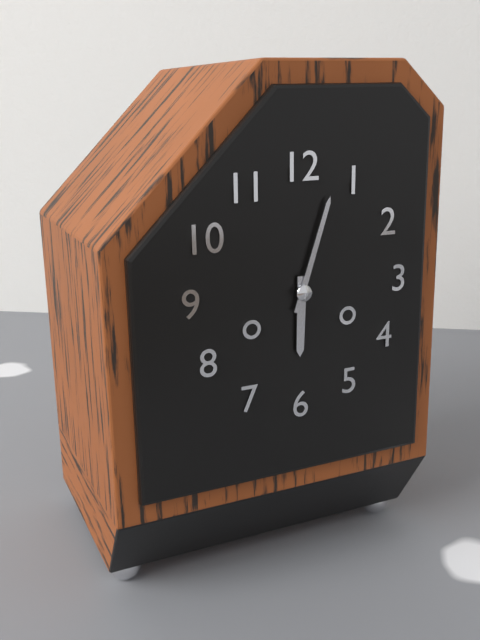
**6:03**
